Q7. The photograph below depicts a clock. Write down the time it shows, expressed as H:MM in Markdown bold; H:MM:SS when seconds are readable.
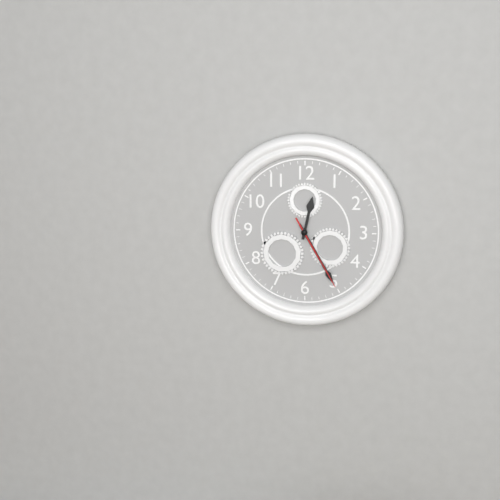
**12:25:25**
